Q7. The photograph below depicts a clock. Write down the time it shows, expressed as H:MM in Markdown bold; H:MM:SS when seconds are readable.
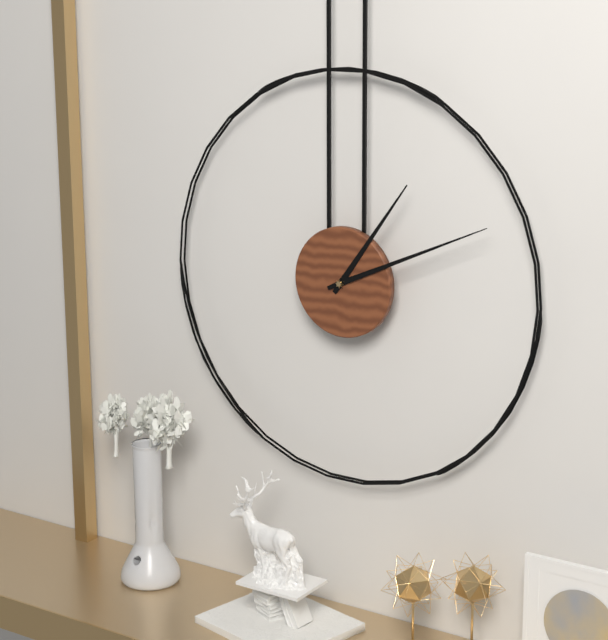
**1:11**
